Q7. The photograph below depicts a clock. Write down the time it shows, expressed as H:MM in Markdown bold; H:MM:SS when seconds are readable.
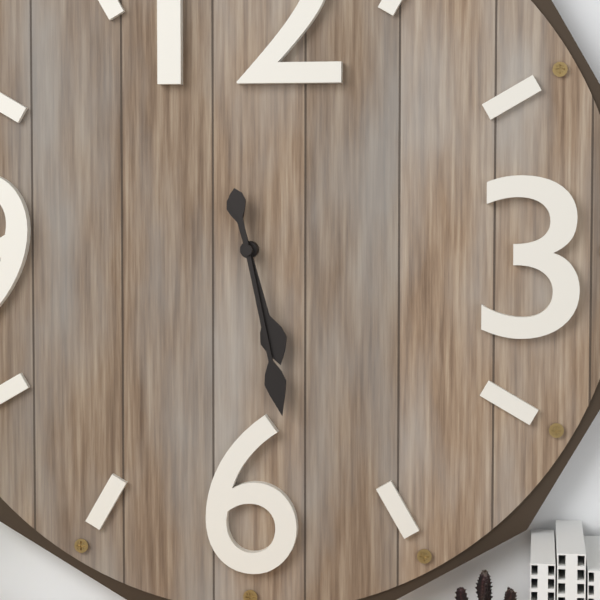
**5:28**
